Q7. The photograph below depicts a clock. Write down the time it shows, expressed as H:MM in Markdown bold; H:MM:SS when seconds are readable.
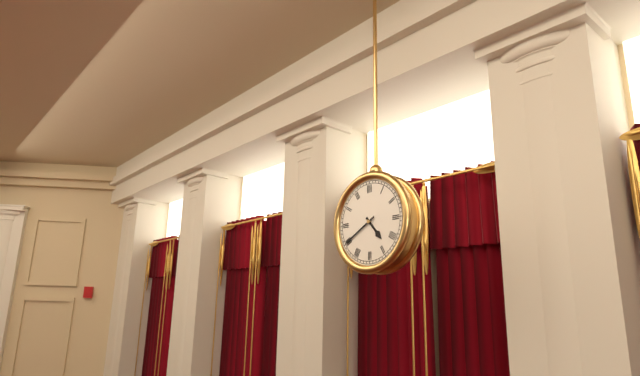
**4:40**
